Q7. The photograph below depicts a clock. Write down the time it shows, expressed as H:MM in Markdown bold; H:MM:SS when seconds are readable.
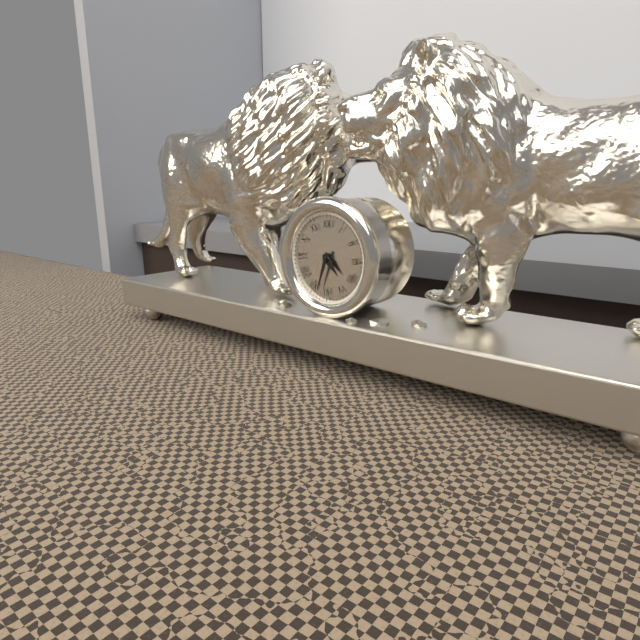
**4:33**
